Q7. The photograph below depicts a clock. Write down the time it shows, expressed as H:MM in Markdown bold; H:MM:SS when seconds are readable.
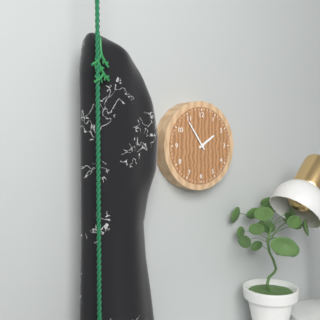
**1:54**
